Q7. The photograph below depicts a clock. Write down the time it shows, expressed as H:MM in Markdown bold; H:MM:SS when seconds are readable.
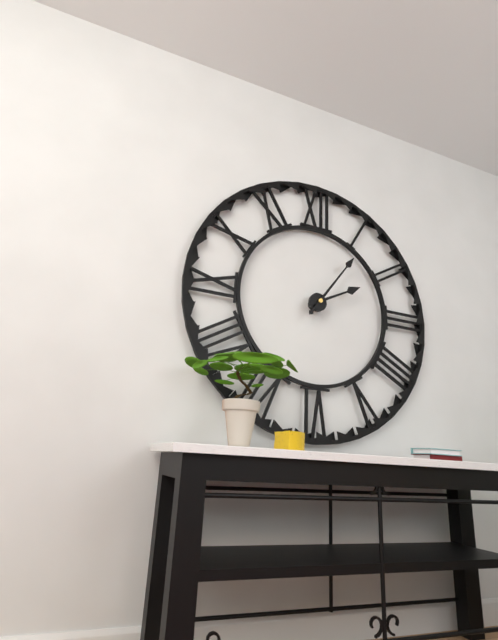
**2:06**
